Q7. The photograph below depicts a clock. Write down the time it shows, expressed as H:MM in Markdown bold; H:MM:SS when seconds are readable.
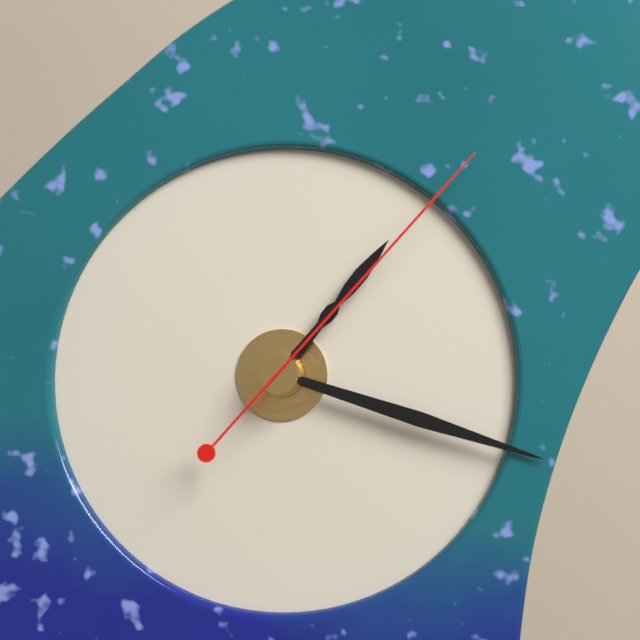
**1:18:07**
